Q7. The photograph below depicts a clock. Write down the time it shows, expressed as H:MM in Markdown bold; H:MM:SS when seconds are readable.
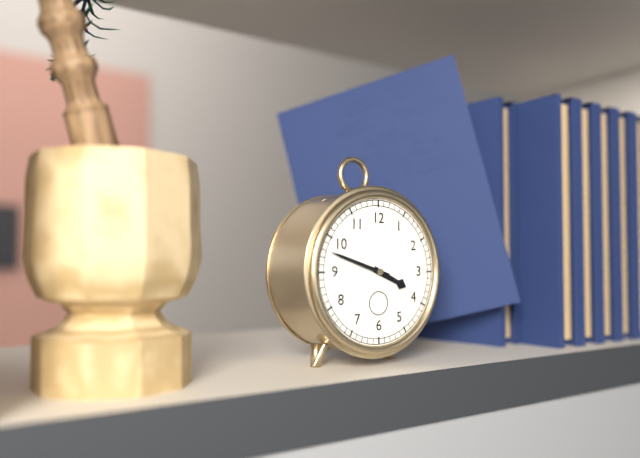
**3:48**
